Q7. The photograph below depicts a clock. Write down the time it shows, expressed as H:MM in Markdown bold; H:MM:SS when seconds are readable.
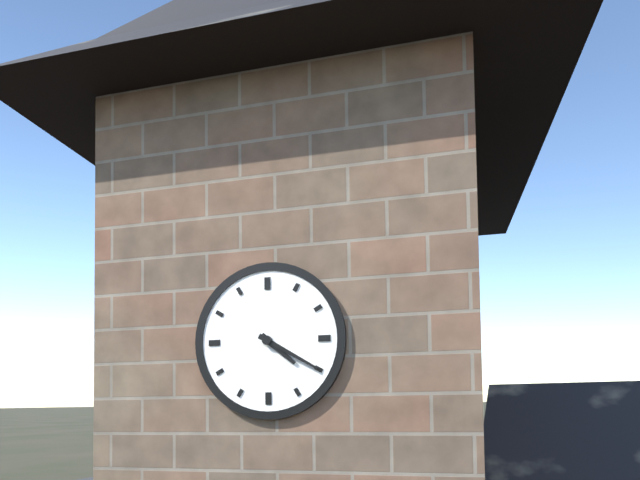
**4:20**
